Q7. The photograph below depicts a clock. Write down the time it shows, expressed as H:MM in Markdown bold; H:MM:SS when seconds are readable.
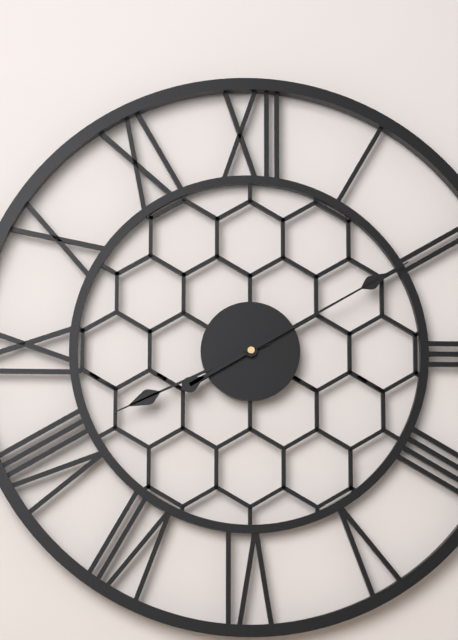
**8:10**
